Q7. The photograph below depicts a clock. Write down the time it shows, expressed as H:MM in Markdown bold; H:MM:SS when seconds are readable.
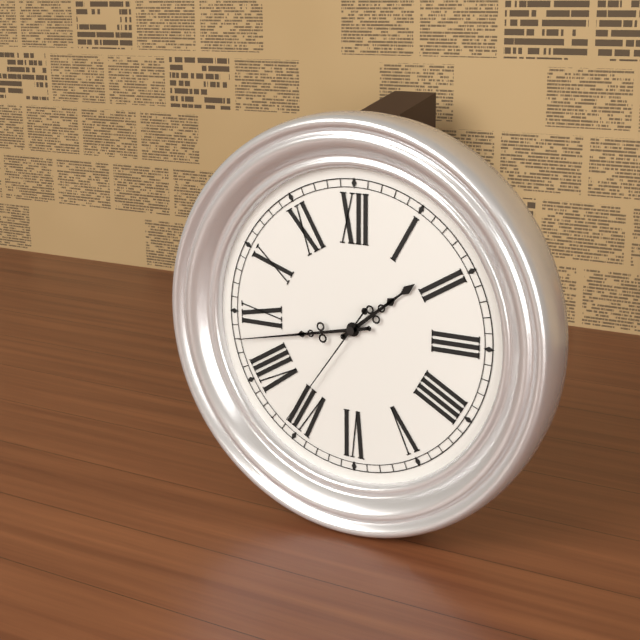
**1:43:36**
